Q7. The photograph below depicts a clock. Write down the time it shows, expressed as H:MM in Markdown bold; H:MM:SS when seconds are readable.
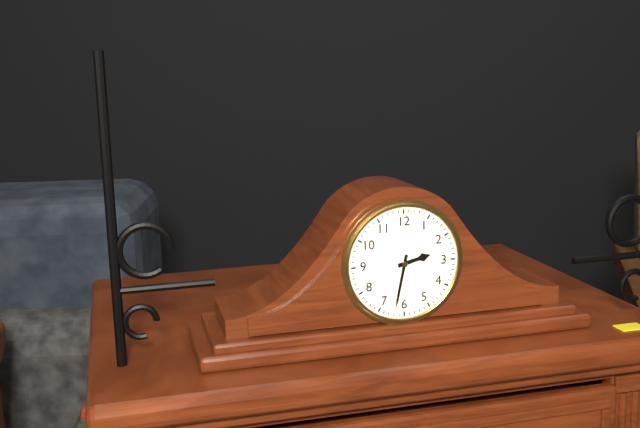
**2:32**
